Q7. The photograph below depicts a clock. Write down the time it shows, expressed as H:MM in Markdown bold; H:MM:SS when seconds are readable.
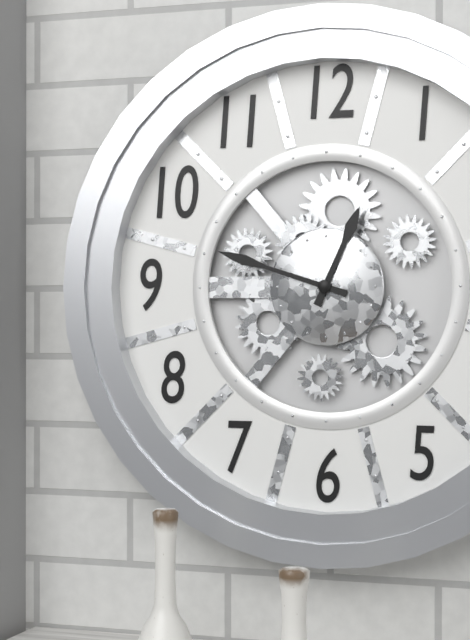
**12:48**
